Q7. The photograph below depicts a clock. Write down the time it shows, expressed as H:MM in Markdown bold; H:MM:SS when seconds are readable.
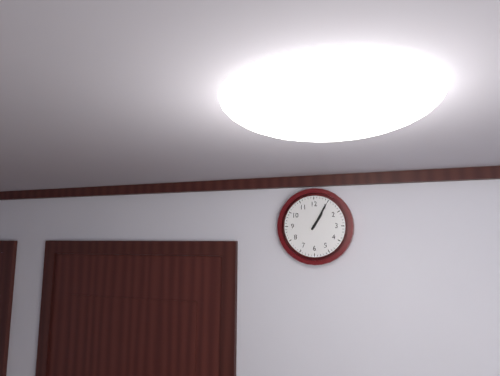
**1:05**
